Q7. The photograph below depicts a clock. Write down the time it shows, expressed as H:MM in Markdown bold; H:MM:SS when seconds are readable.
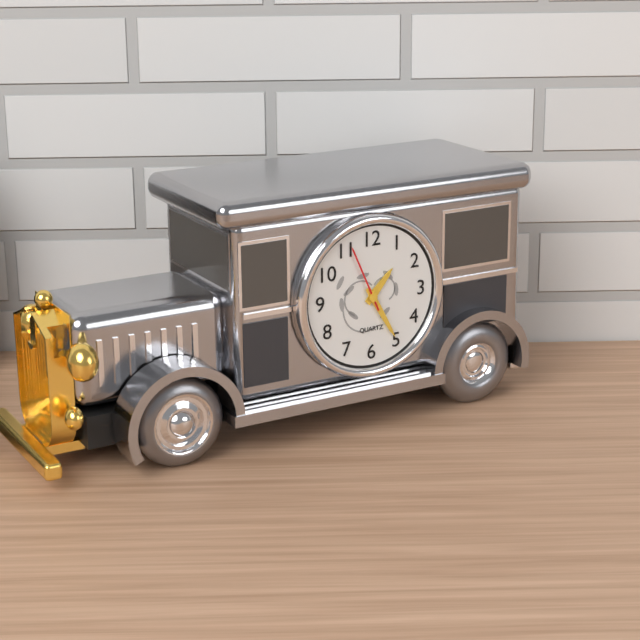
**1:25:56**
